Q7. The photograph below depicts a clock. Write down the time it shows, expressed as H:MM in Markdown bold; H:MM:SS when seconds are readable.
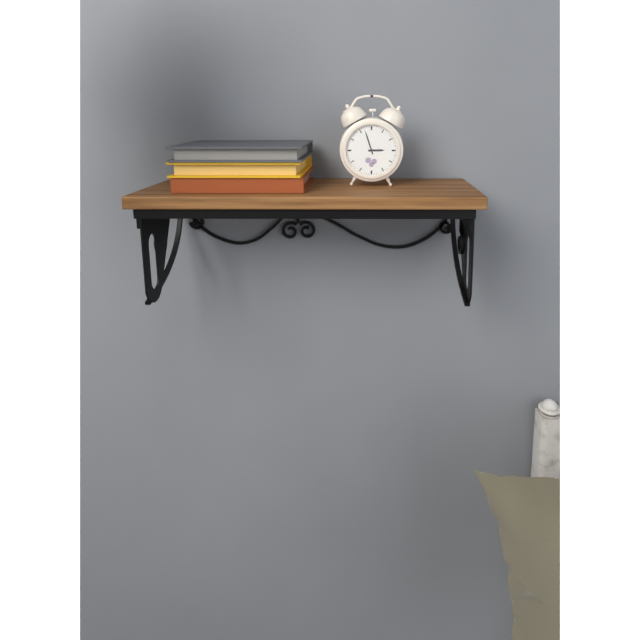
**2:57**
